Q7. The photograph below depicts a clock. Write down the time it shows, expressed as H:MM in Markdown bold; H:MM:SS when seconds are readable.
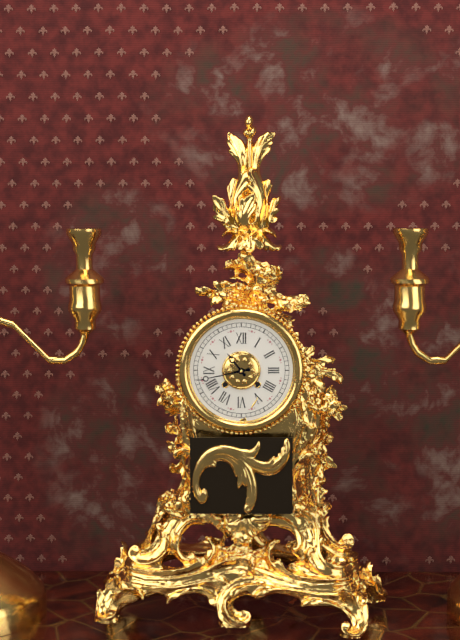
**10:43**
